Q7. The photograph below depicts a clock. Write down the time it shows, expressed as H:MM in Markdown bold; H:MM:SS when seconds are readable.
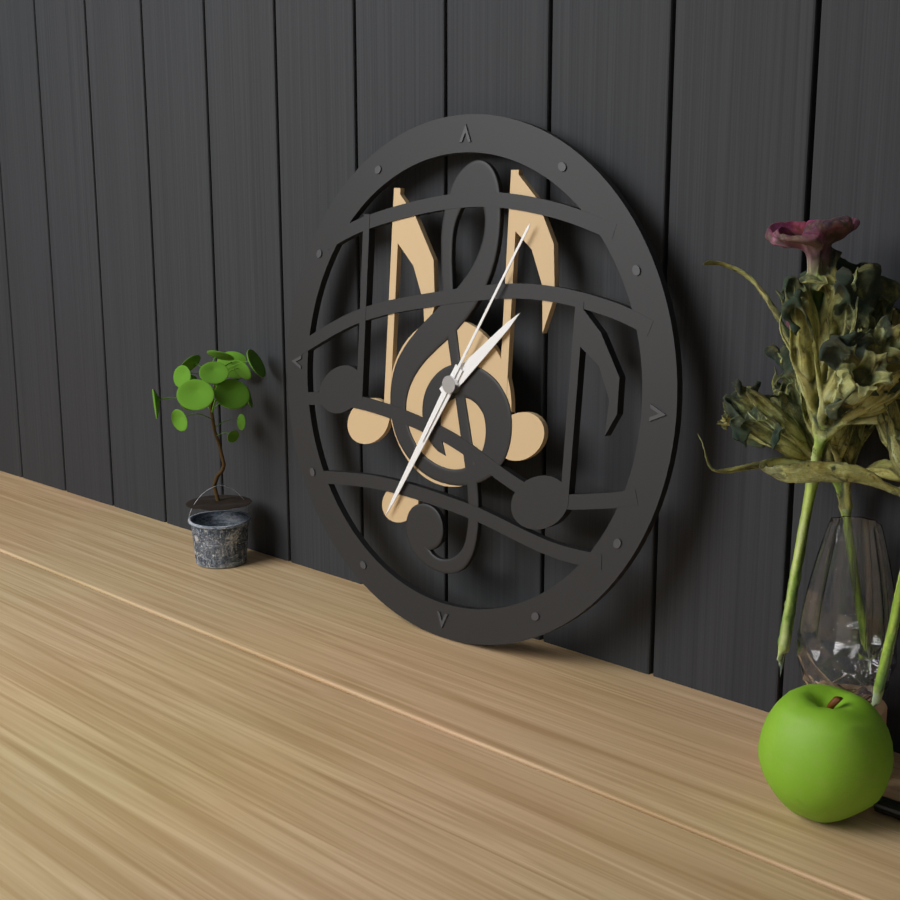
**1:35:05**
